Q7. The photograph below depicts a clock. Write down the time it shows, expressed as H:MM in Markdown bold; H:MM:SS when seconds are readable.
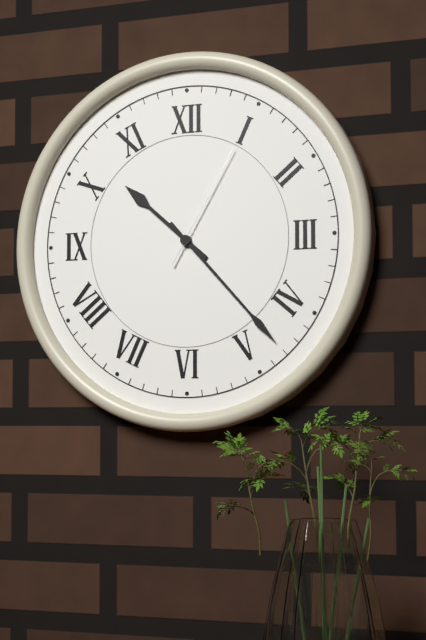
**10:23:05**
